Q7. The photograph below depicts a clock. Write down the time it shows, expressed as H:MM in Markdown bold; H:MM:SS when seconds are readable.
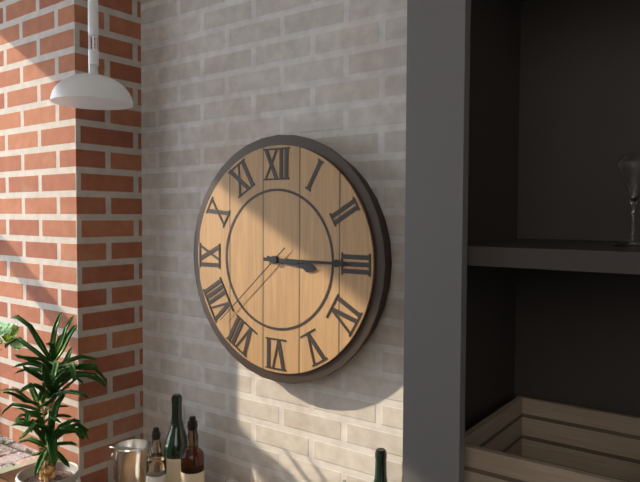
**3:15:38**
